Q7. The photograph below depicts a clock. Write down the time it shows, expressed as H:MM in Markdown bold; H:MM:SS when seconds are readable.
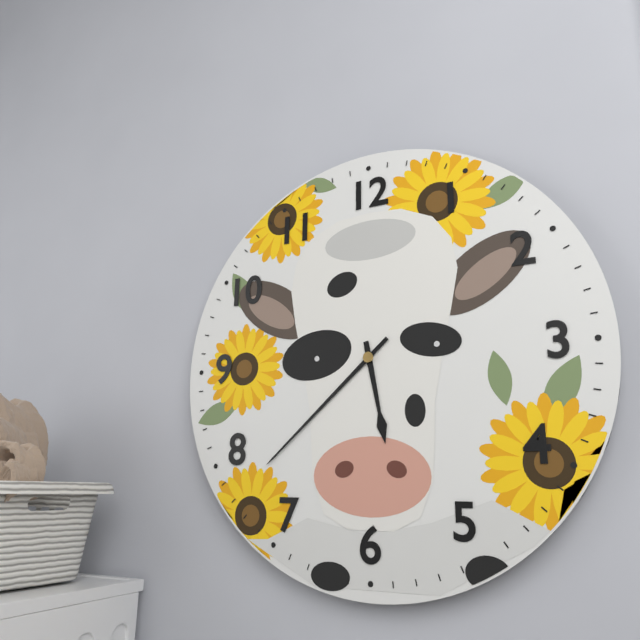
**5:38**
